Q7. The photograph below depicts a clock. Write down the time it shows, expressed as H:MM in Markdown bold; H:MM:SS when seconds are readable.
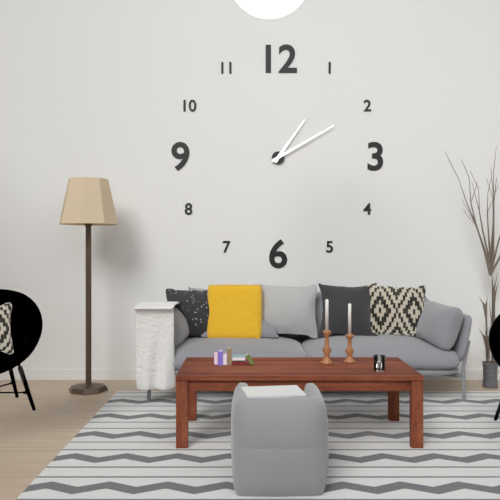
**1:10**
